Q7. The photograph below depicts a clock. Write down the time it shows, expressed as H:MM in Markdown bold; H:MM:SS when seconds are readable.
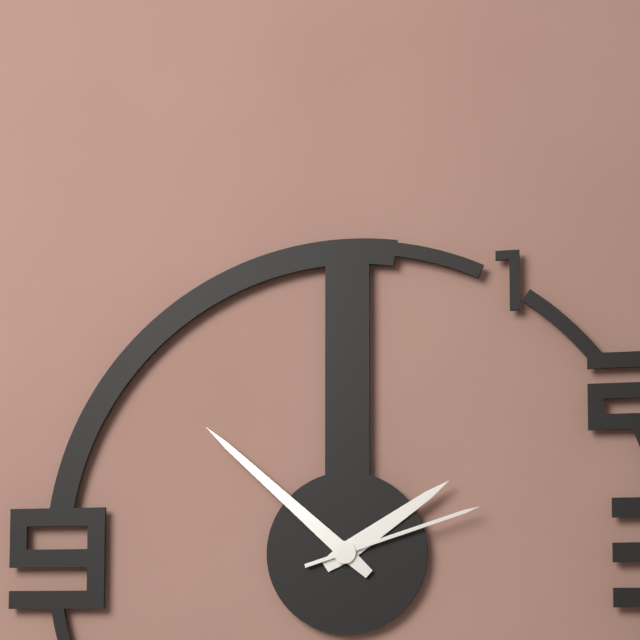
**1:52:12**
